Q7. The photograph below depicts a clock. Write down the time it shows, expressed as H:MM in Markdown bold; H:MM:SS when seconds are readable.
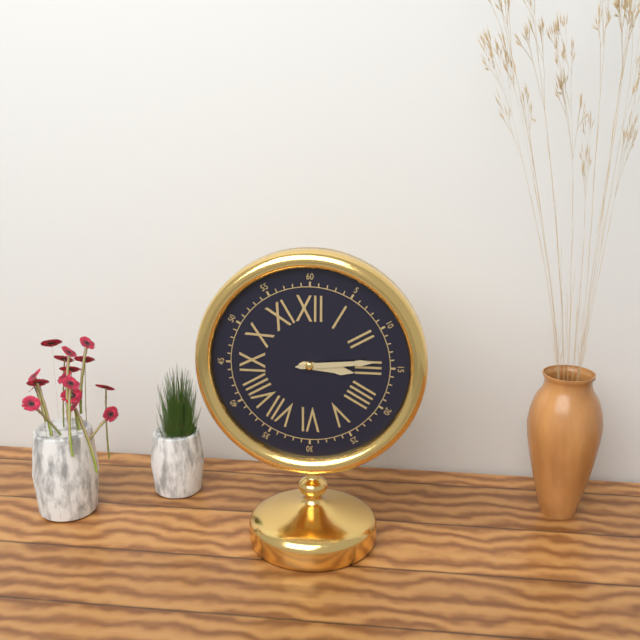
**3:14**
